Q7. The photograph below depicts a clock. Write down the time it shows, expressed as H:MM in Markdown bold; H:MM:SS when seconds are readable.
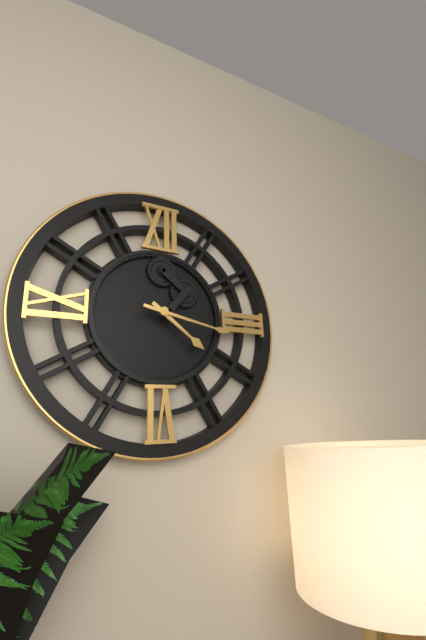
**4:17**
